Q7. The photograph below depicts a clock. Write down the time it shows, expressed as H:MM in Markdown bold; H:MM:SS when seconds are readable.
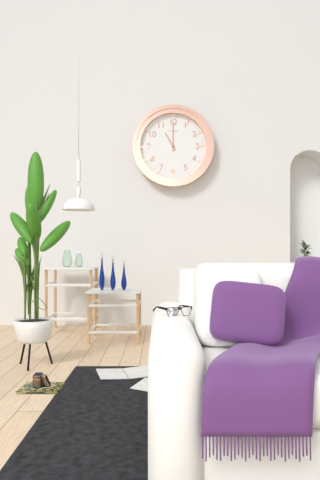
**11:00**
